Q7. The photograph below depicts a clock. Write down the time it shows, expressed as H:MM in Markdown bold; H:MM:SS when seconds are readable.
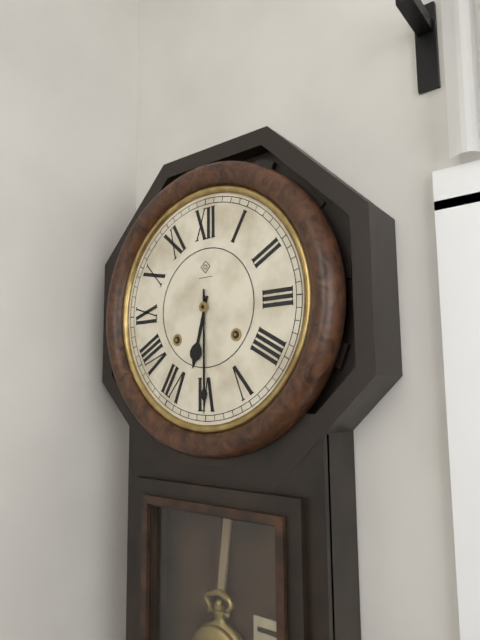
**6:30**
